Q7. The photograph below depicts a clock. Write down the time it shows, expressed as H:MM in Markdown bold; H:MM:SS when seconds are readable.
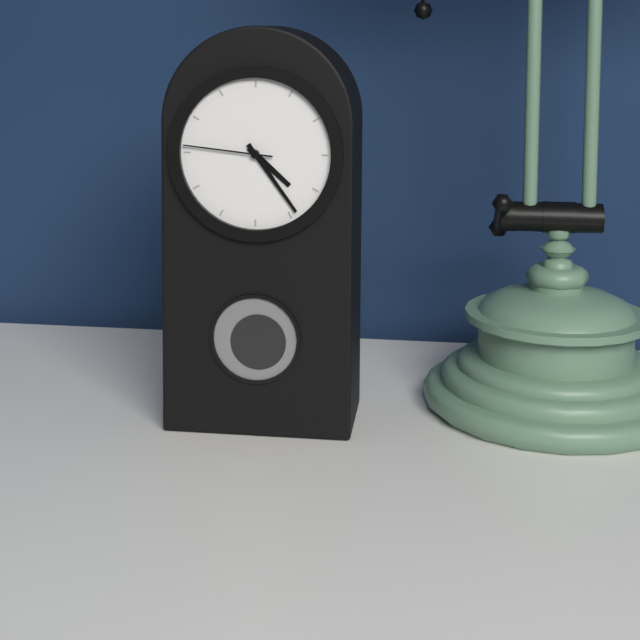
**4:24:46**
